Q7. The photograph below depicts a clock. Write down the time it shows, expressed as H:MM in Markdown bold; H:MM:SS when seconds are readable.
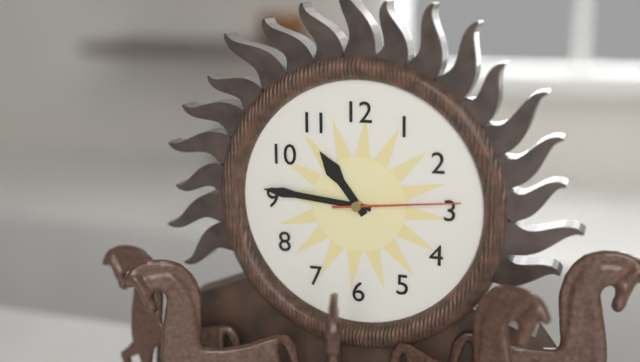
**10:46:14**
